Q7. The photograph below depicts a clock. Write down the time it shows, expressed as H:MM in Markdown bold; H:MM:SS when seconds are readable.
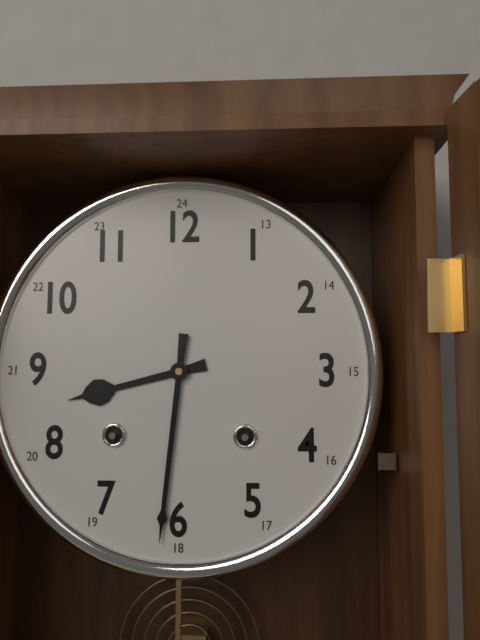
**8:31**
